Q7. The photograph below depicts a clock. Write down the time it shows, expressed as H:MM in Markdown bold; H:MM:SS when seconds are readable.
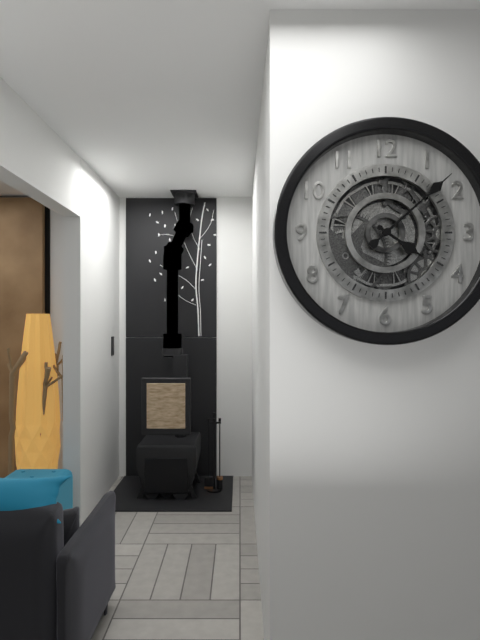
**4:08**
